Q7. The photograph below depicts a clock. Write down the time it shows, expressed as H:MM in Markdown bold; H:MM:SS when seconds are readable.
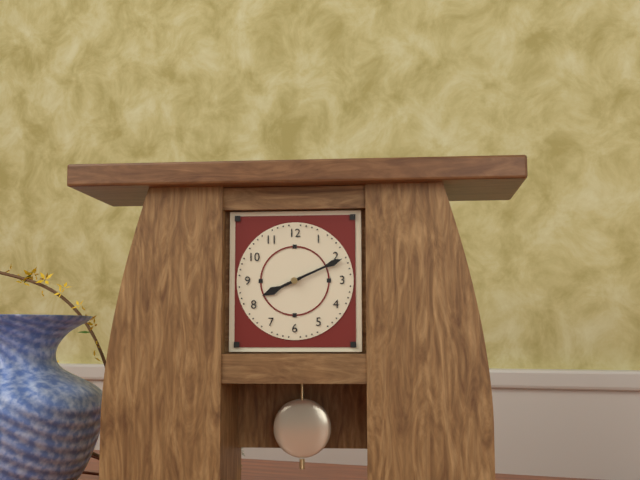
**8:11**
